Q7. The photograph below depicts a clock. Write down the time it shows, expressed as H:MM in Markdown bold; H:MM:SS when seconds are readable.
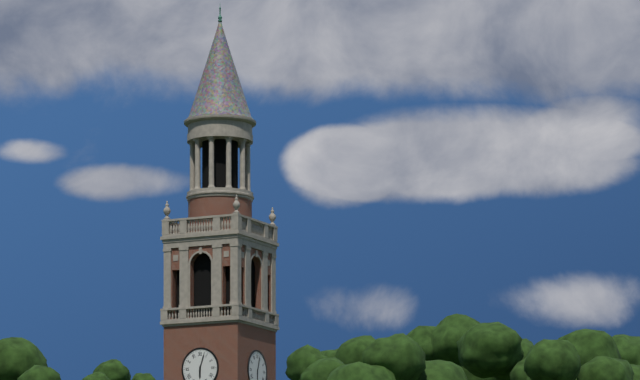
**6:03**
